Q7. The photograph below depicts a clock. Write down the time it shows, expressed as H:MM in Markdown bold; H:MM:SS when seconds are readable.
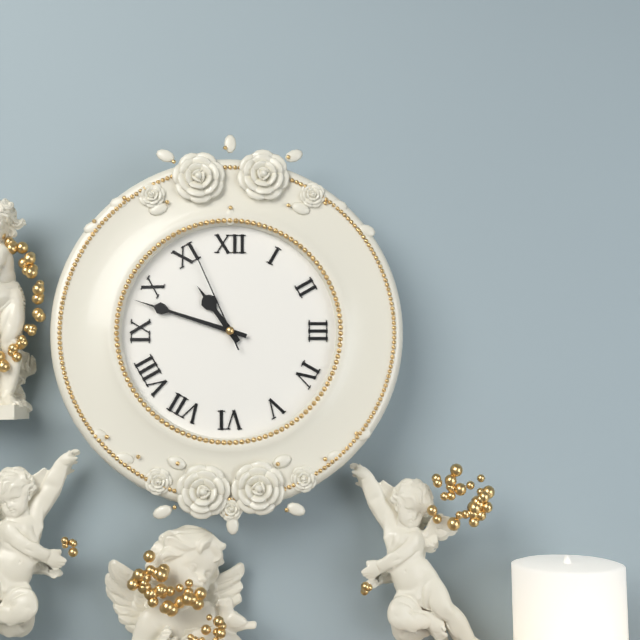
**10:48:56**
